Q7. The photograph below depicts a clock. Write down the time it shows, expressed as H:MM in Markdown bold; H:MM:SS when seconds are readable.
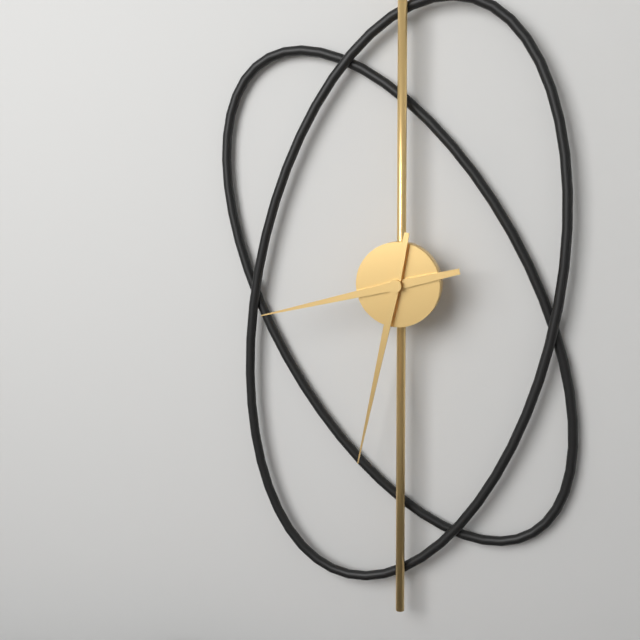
**8:32**
